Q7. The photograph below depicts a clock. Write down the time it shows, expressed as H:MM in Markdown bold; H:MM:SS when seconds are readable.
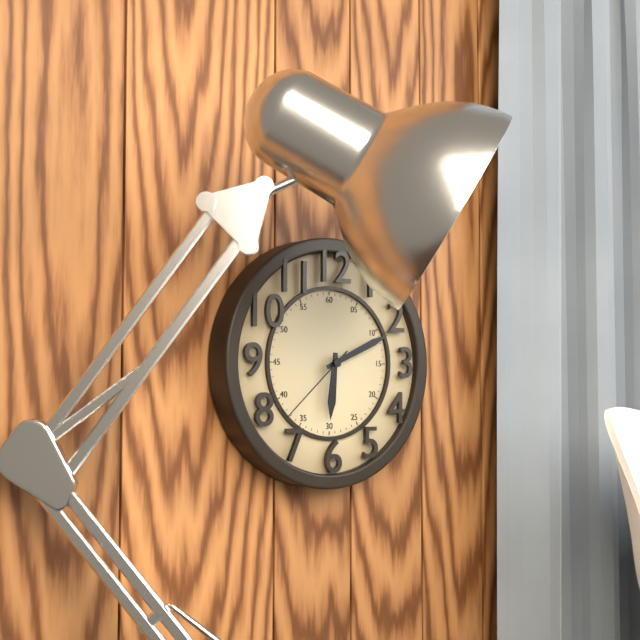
**6:11:38**
